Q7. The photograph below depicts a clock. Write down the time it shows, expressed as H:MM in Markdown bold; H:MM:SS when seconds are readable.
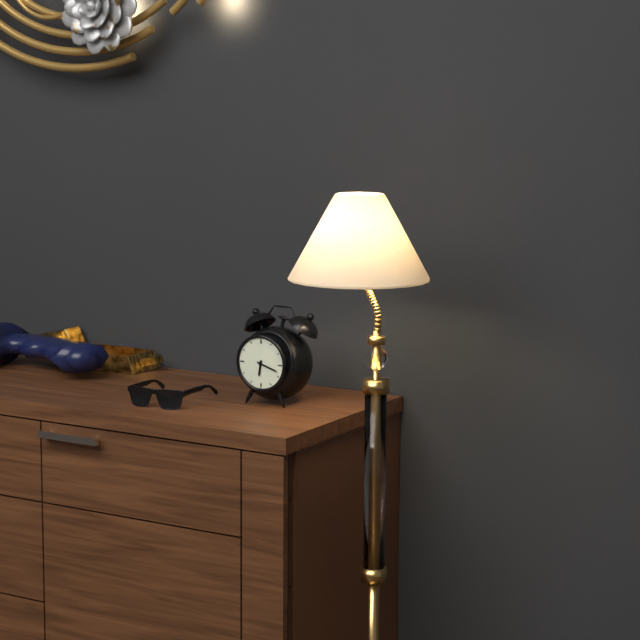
**6:18**
